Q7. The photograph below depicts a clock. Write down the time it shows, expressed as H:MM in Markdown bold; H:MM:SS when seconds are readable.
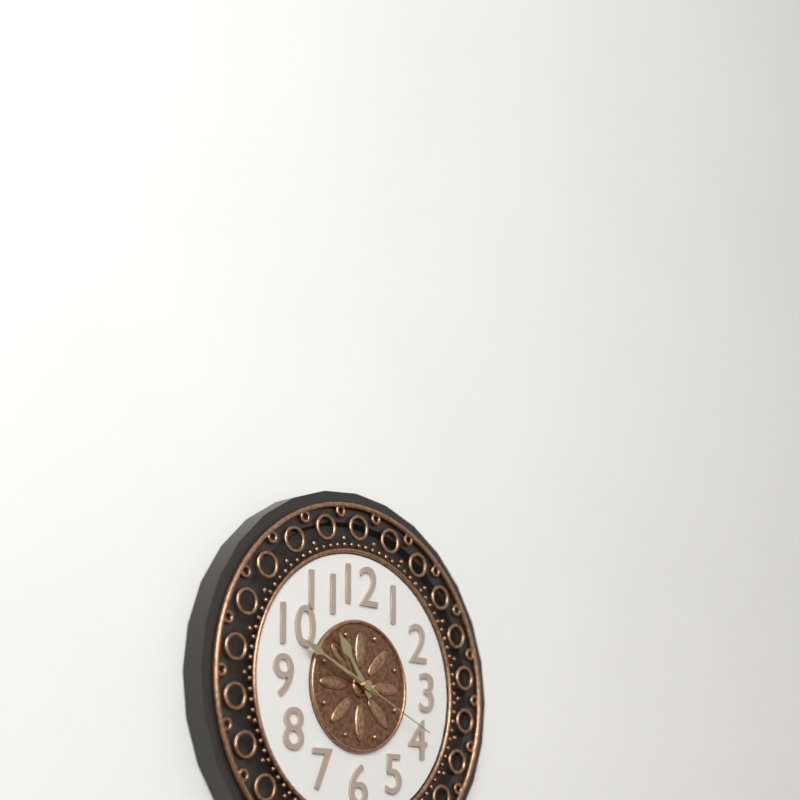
**10:49:19**
